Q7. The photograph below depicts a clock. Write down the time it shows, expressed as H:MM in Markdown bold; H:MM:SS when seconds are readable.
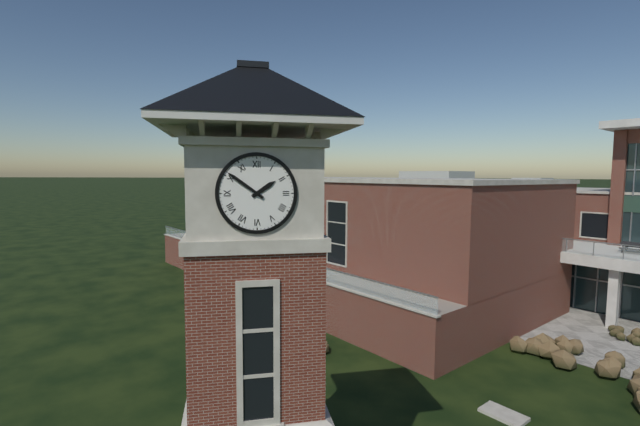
**1:51**
